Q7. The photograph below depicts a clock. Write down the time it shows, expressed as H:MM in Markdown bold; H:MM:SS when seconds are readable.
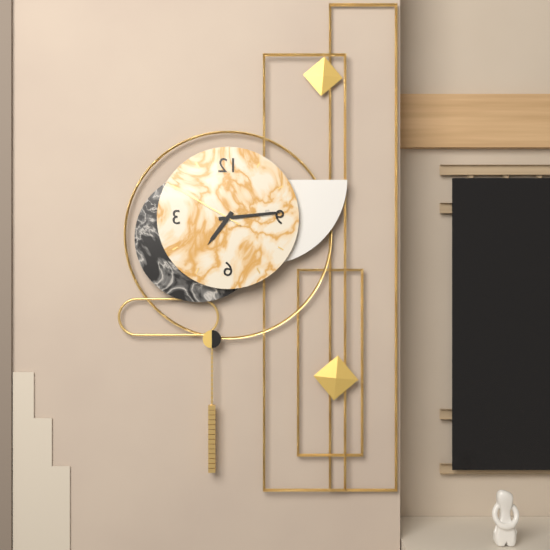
**7:14:50**
